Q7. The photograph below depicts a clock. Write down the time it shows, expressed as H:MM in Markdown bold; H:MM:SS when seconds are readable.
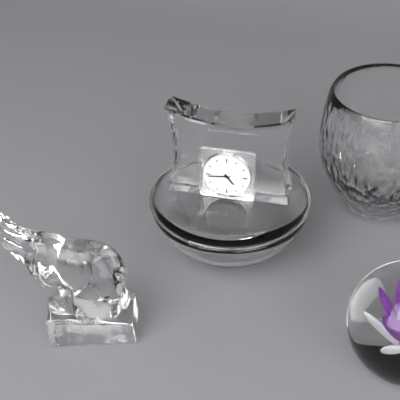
**4:44**
